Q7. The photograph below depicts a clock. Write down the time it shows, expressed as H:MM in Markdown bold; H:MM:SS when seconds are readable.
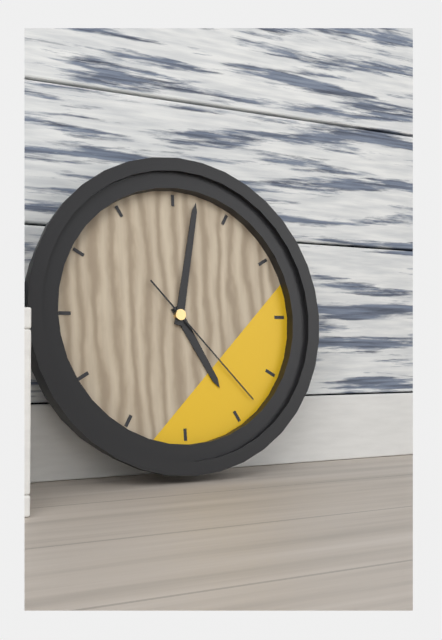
**5:02:23**
